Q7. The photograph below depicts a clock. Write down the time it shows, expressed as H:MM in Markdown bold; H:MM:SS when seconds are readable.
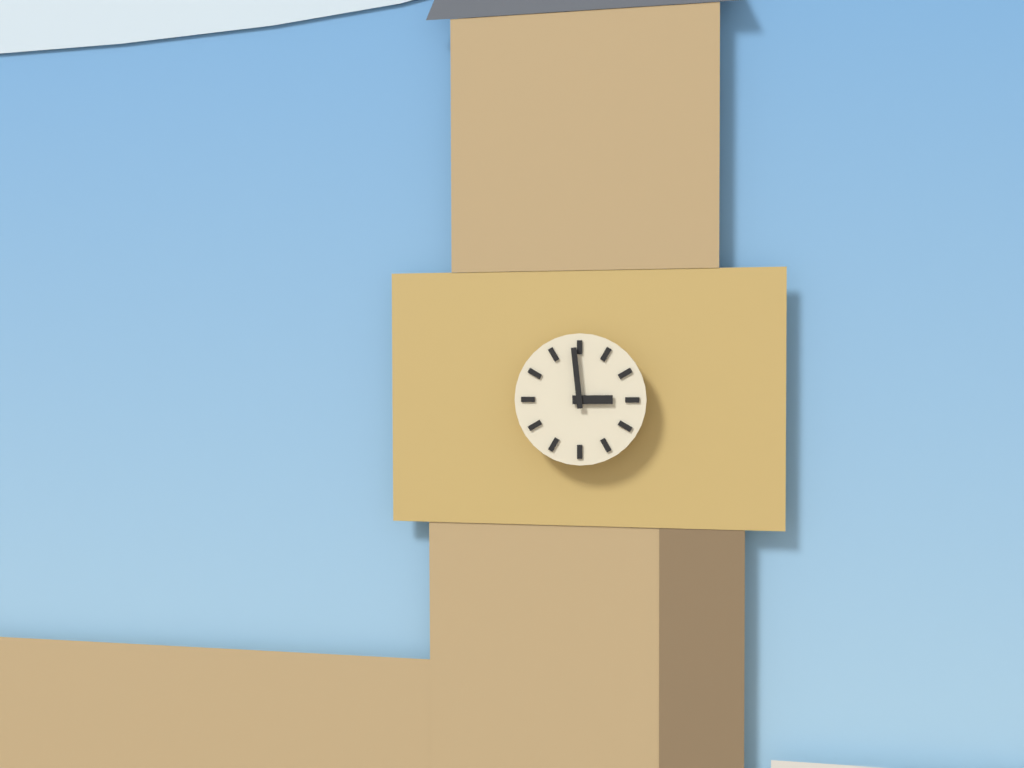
**2:59**
